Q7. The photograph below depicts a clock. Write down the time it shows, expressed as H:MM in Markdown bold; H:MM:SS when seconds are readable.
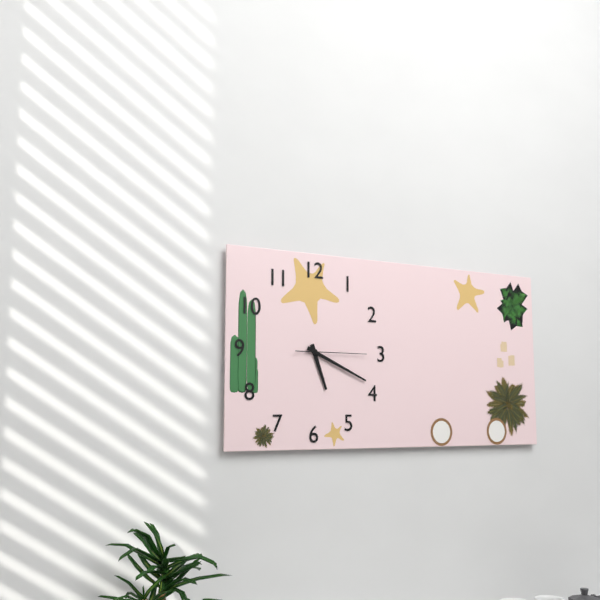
**5:19:15**
